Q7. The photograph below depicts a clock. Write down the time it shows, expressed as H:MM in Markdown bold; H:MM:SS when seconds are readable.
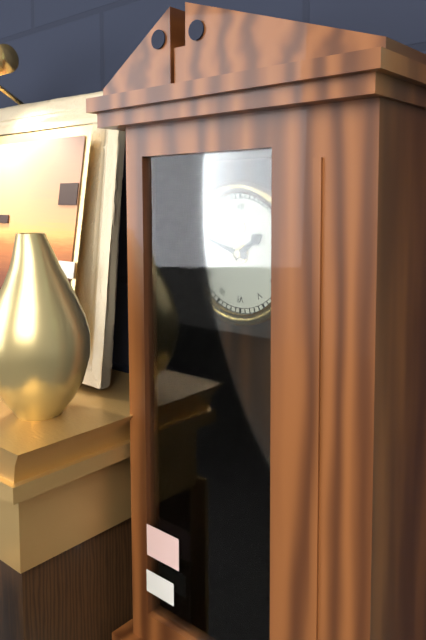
**1:48**
